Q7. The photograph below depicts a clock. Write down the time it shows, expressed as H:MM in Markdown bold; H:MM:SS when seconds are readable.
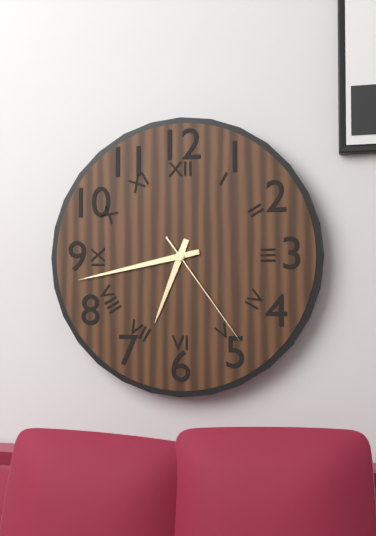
**6:43:24**
